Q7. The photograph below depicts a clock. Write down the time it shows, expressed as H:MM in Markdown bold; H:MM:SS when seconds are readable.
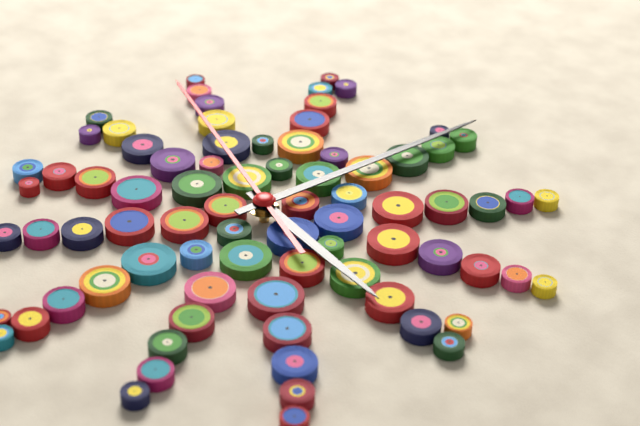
**3:00:47**
